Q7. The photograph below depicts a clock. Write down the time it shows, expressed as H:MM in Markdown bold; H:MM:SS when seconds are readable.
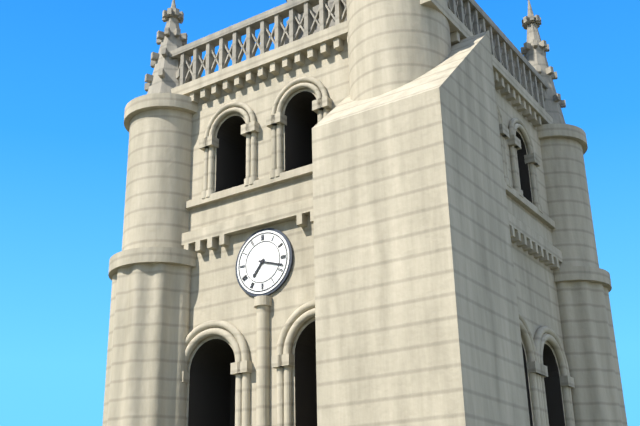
**7:18**
